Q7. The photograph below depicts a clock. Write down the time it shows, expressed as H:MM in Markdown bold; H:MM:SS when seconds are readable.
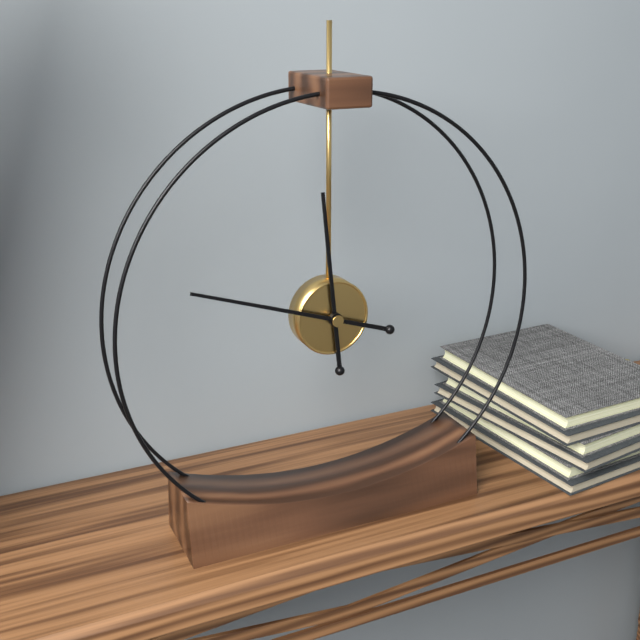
**11:48**
